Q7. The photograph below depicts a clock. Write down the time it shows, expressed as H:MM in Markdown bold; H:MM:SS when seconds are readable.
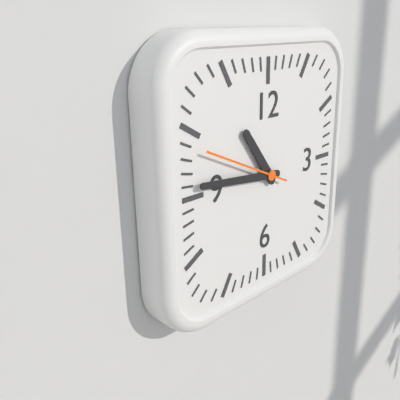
**10:46**
